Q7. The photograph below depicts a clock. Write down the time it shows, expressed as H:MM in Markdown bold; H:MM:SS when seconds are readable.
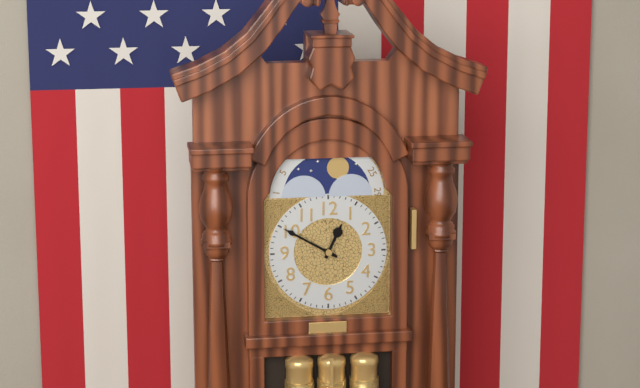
**12:50**
